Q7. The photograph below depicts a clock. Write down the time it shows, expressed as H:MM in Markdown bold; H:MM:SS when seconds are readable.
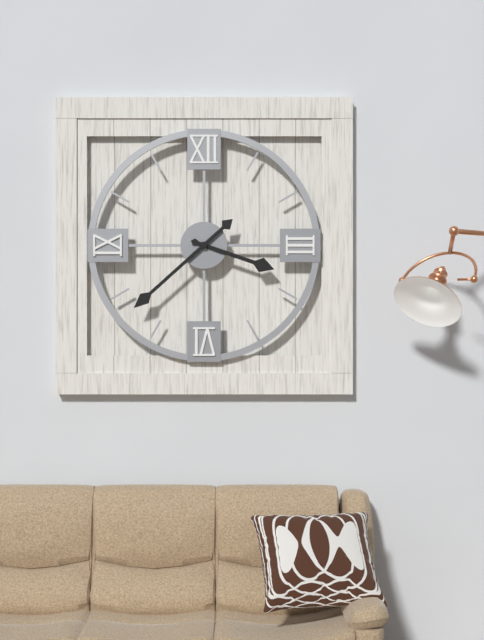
**3:38**
